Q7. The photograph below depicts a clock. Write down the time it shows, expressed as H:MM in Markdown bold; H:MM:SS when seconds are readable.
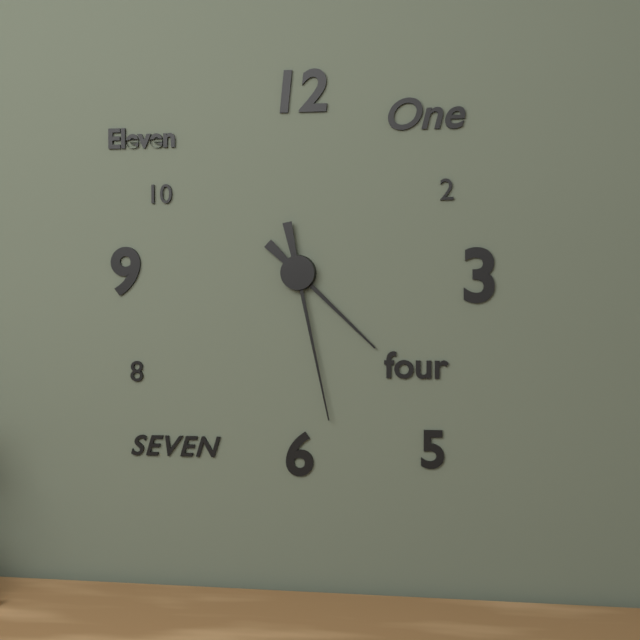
**4:28**
